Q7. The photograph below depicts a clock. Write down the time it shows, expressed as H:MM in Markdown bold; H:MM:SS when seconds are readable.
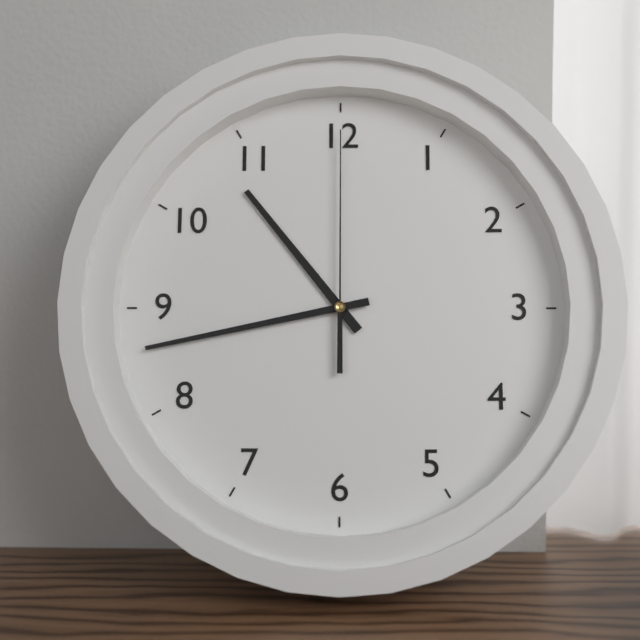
**10:43:00**
